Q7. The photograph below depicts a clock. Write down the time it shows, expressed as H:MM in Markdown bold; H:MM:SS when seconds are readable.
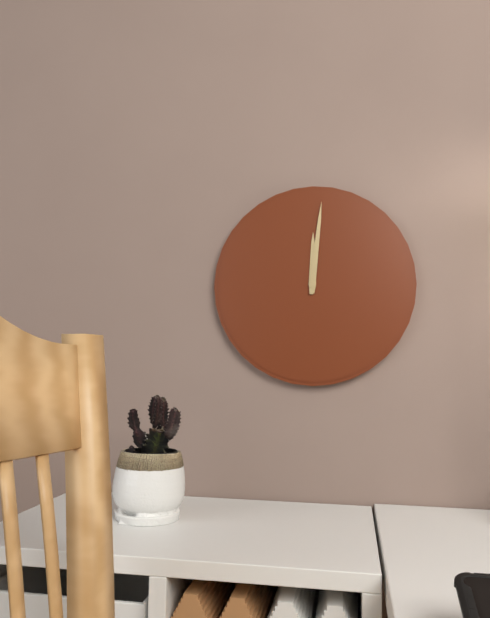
**12:01**
